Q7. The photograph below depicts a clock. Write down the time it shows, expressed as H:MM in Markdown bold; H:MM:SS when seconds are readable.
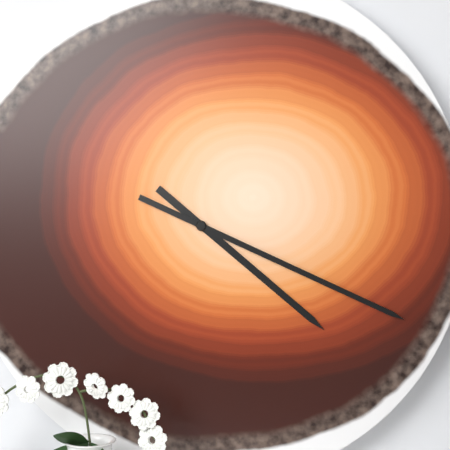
**4:19**
